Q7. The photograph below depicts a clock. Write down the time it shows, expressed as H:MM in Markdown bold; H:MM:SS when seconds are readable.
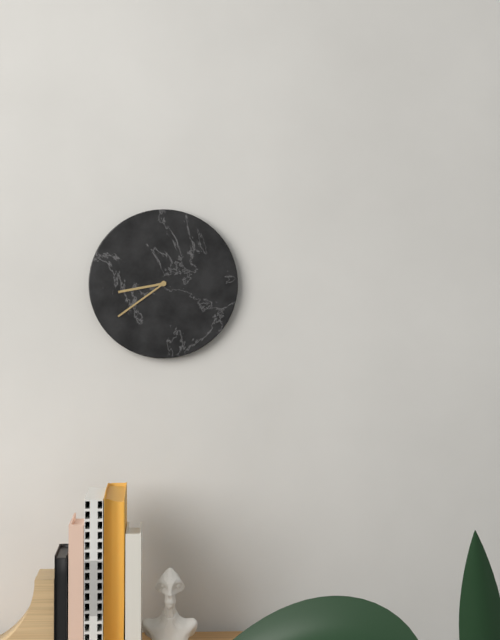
**8:39**
